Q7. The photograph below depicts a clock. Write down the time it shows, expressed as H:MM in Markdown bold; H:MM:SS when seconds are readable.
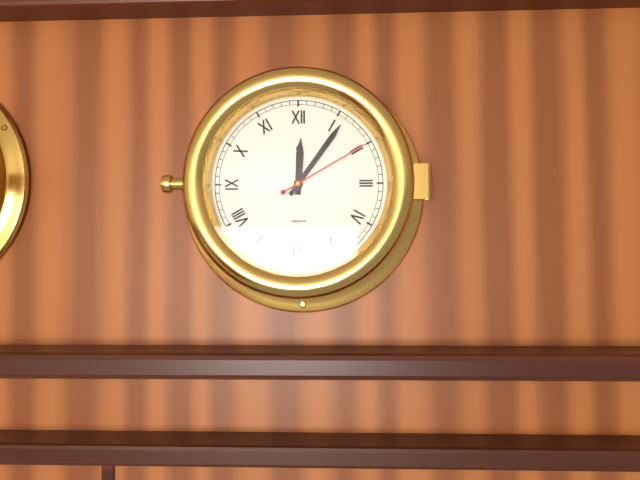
**12:06:10**
